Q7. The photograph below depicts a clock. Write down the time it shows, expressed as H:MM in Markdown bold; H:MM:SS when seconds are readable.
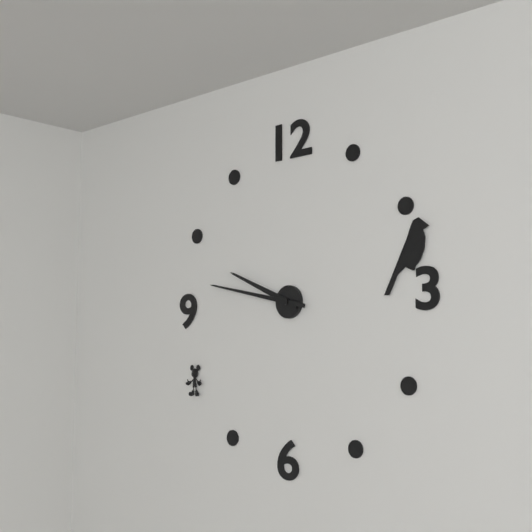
**9:47**
